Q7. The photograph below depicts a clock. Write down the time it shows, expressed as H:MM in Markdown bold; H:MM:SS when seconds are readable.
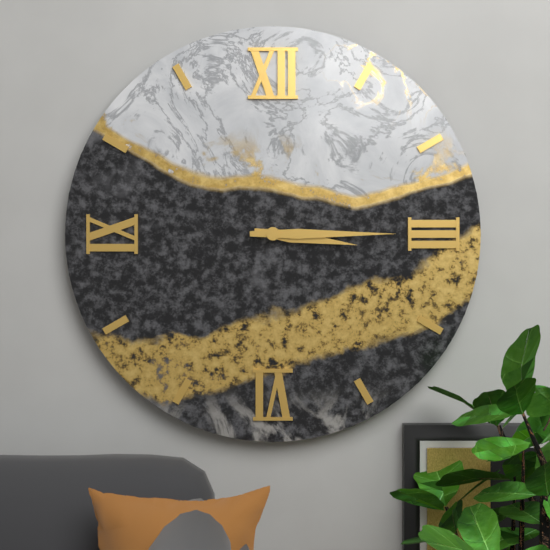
**3:15**
